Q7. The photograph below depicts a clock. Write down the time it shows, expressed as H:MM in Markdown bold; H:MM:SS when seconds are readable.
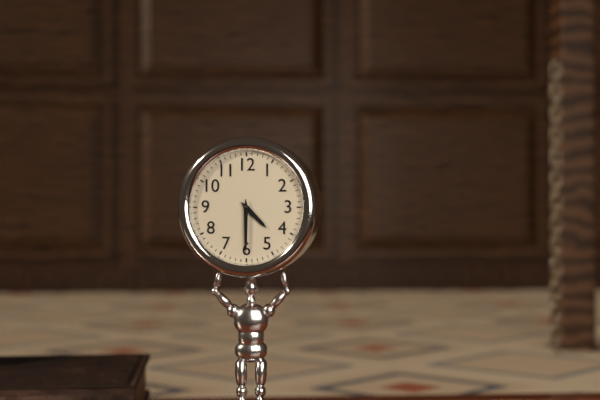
**4:30**
